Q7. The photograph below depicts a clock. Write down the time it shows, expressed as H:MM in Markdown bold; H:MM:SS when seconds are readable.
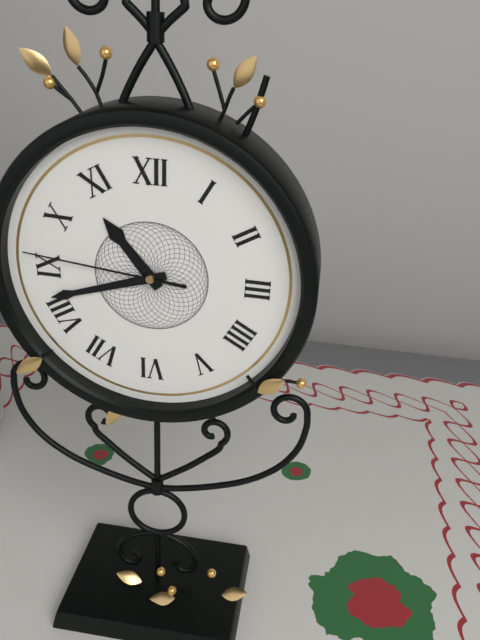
**10:42:46**
